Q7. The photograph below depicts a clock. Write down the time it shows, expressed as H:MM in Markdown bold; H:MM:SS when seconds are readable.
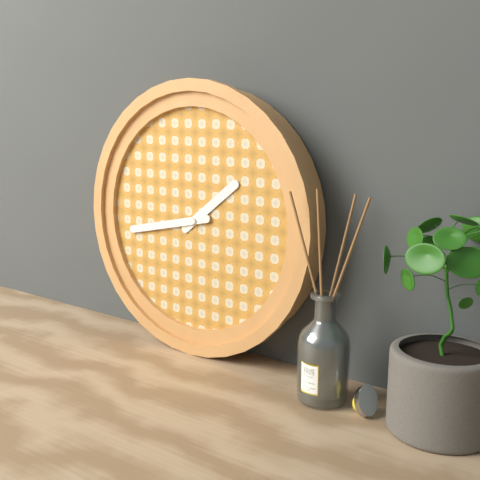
**1:43**
